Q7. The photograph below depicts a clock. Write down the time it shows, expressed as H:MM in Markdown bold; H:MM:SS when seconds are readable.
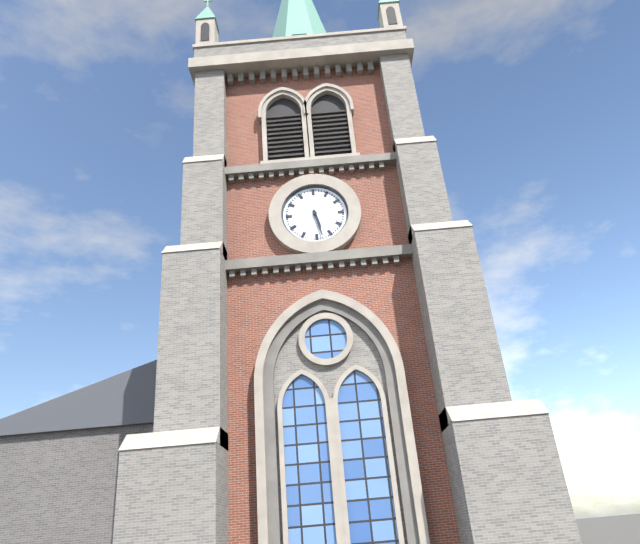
**5:28**
